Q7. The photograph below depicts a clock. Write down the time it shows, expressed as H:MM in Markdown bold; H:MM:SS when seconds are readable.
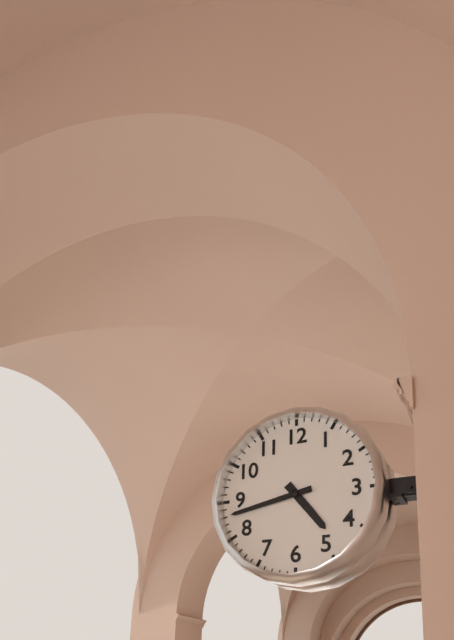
**4:43**
